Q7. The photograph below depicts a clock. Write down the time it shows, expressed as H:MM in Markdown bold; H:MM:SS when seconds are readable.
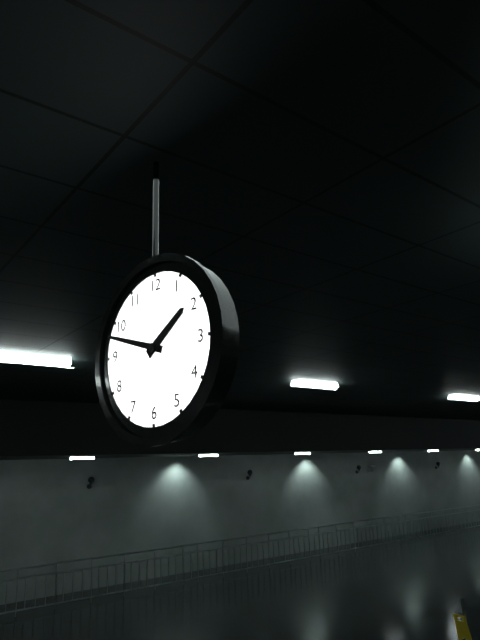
**1:48**
